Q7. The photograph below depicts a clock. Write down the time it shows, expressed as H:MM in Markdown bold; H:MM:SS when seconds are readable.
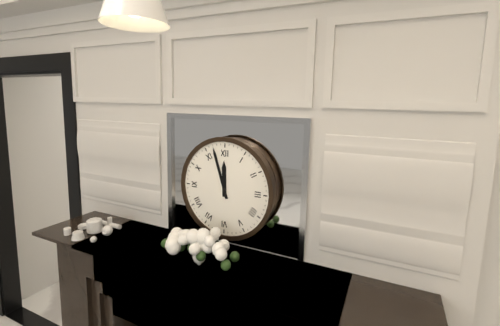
**11:57**
